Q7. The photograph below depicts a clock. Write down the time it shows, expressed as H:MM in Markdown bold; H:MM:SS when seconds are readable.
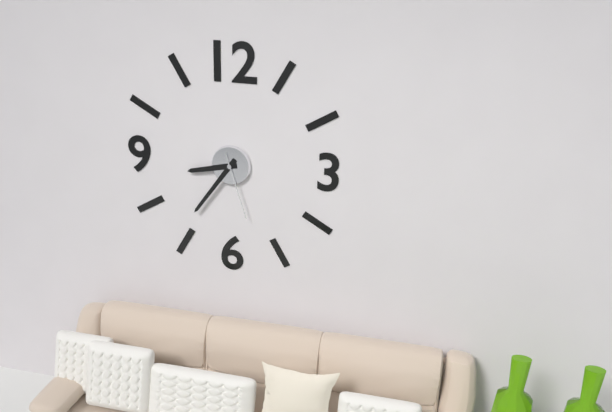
**8:36:27**
